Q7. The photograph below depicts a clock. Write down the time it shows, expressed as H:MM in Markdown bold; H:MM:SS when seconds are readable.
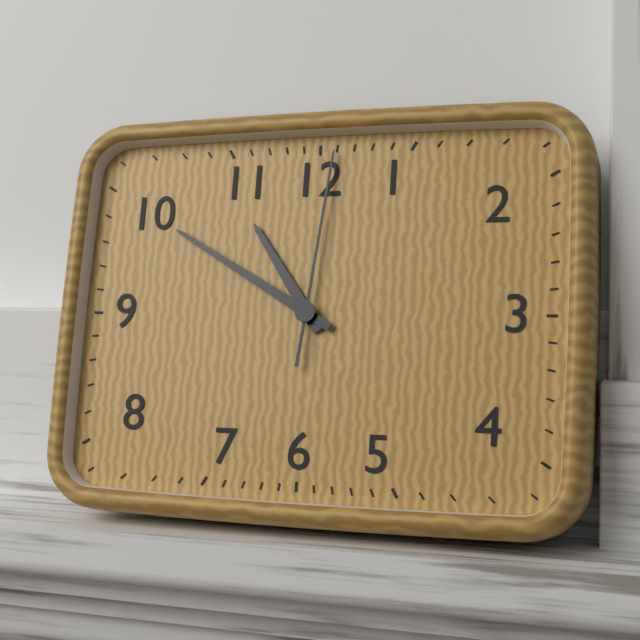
**10:50:01**
